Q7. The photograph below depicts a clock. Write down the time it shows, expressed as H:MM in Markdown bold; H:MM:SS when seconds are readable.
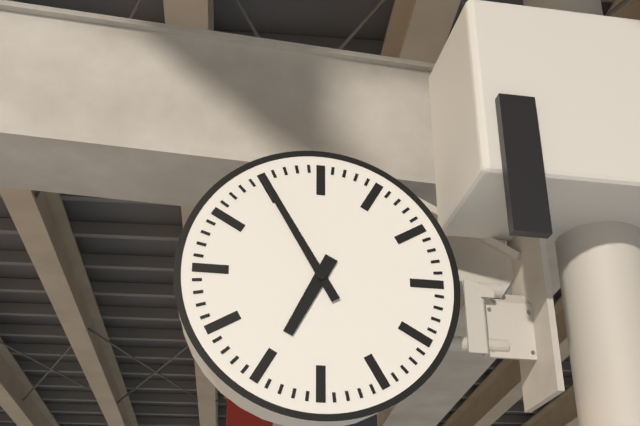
**6:55**
